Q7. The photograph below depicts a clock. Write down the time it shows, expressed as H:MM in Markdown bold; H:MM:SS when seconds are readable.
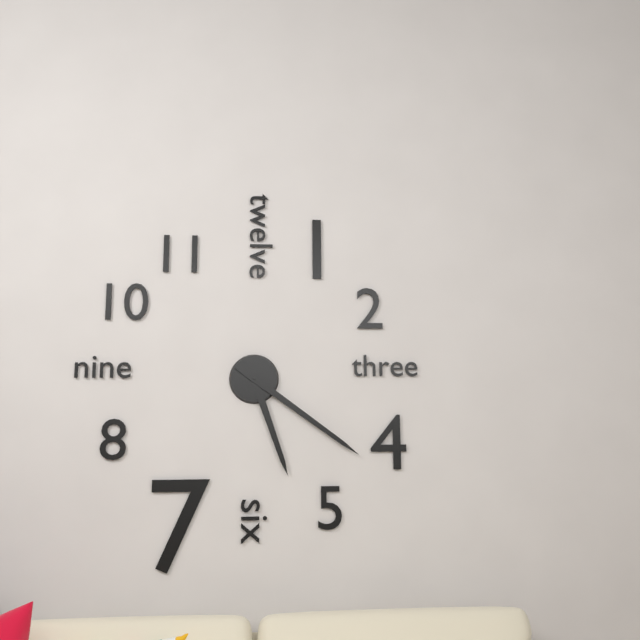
**5:21**
